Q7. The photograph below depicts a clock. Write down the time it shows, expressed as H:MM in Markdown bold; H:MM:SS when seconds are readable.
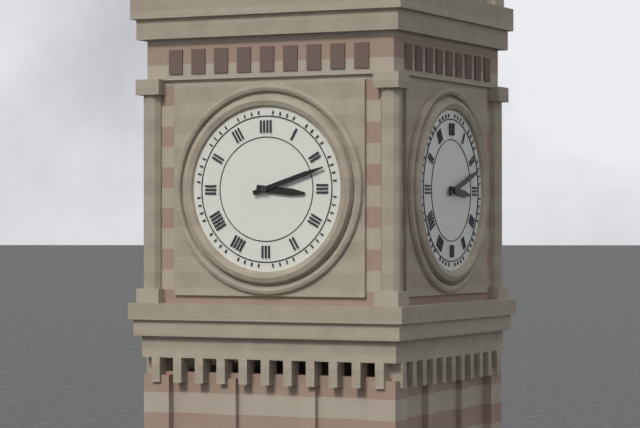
**3:12**
